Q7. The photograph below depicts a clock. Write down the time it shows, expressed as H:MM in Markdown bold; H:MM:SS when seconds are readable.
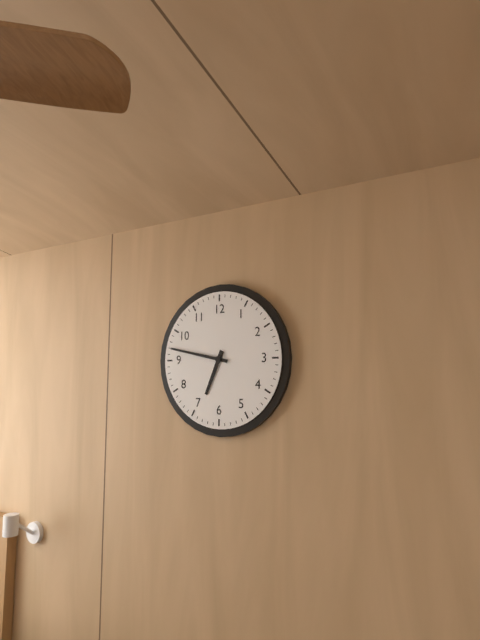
**6:47**
